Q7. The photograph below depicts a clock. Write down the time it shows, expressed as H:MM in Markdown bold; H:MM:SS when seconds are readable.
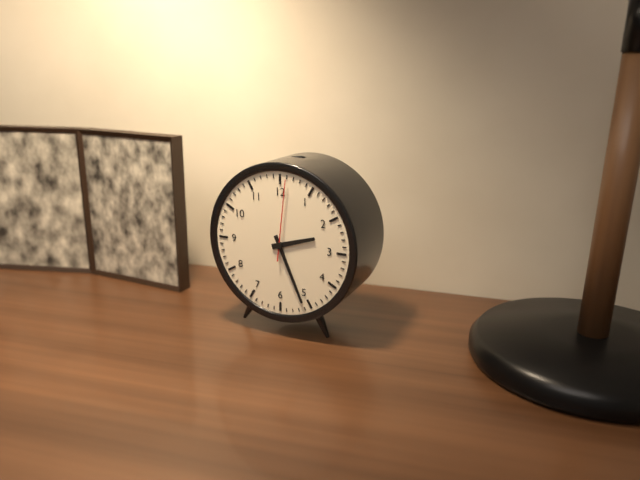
**2:26:01**
